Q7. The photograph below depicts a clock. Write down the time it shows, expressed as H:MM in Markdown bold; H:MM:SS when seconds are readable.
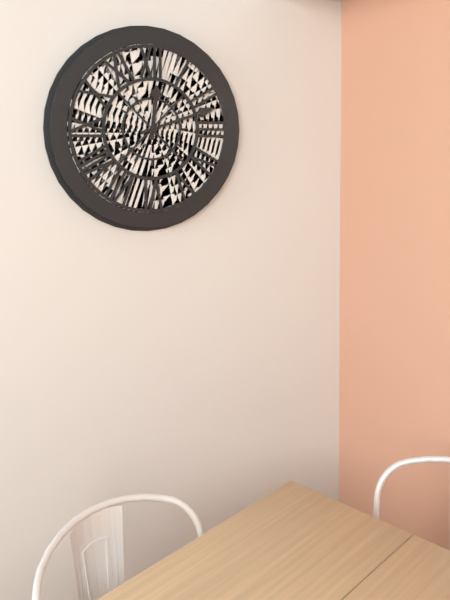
**12:12**
